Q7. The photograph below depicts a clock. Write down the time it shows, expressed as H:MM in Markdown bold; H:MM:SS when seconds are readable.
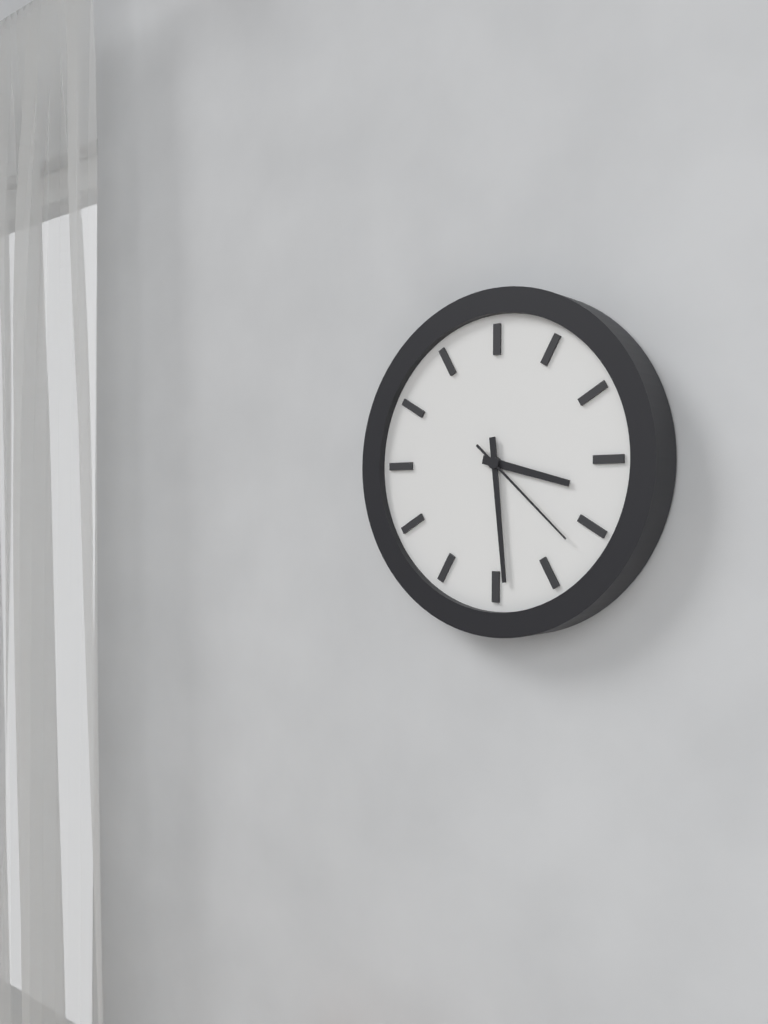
**3:29:22**
